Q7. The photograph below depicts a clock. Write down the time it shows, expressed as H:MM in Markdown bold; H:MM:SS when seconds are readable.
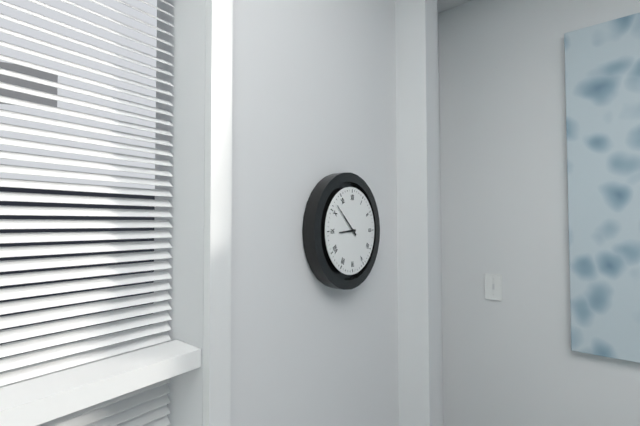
**8:52**
